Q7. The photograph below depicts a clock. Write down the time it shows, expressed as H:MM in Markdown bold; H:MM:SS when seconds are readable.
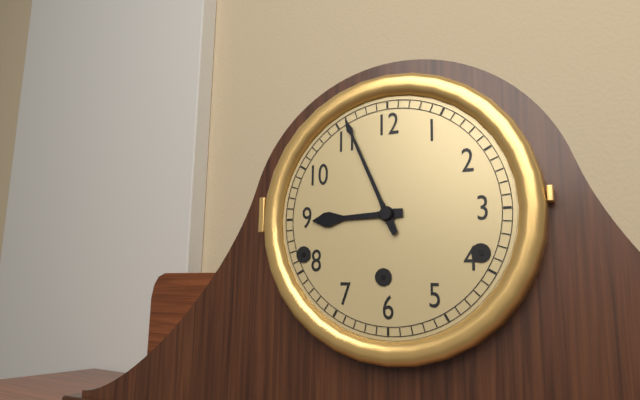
**8:56**
